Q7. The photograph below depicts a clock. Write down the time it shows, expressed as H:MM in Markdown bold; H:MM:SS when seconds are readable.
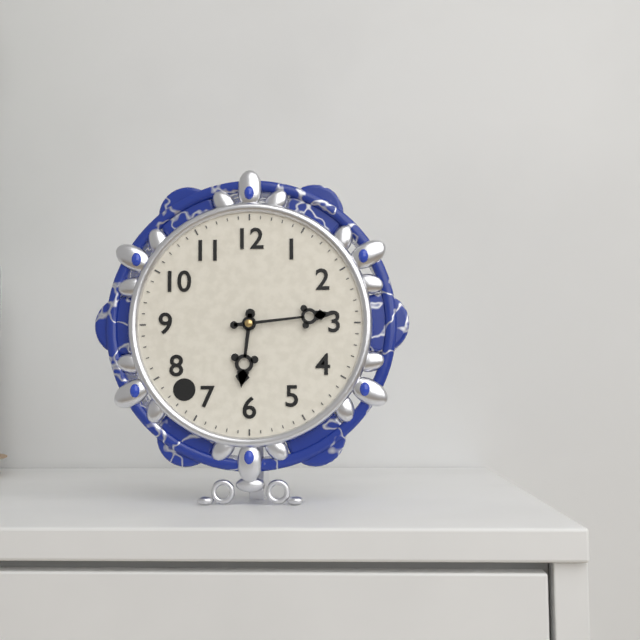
**6:14**
